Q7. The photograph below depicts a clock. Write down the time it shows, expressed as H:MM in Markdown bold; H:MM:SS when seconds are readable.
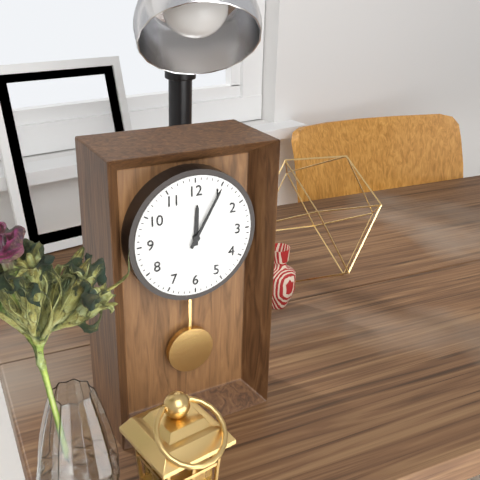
**12:05**
